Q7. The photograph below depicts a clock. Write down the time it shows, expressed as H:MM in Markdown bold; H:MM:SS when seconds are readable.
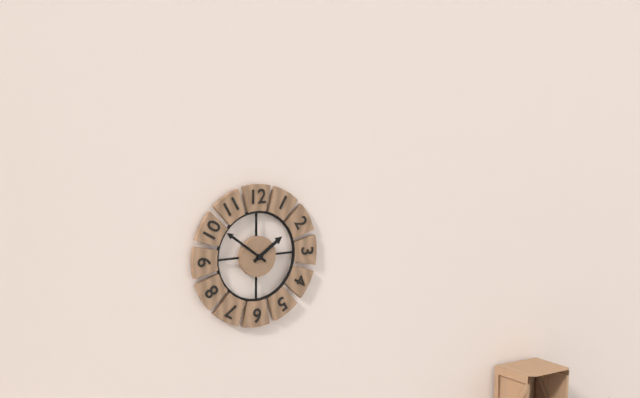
**1:51**
